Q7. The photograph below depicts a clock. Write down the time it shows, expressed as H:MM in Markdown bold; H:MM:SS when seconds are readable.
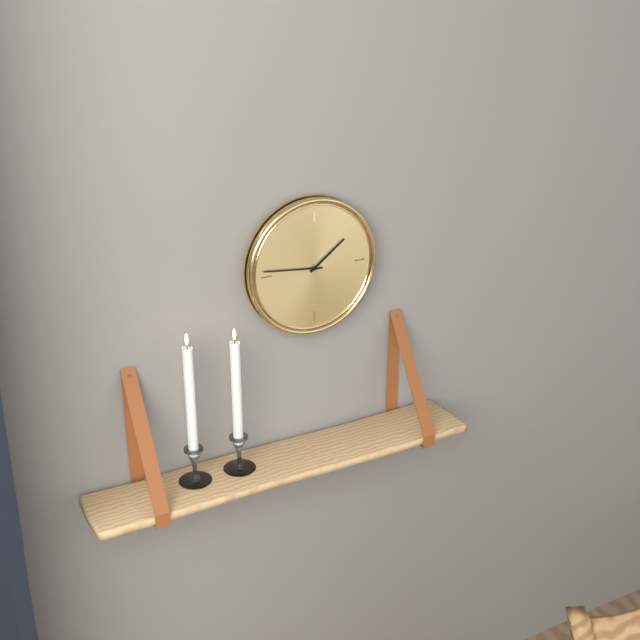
**1:46**
